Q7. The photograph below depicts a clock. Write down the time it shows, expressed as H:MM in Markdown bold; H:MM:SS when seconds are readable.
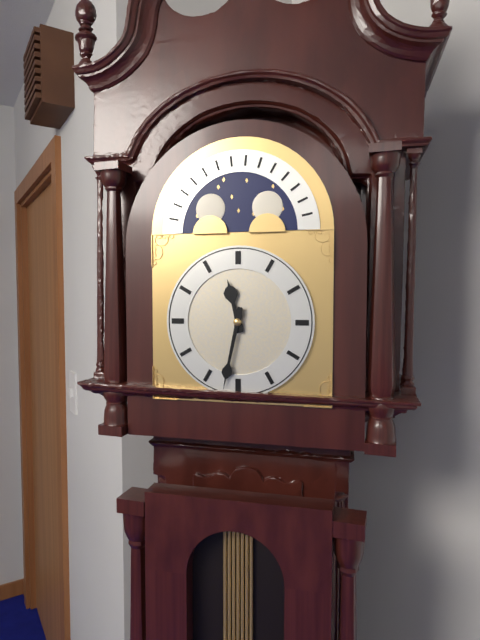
**11:32**
